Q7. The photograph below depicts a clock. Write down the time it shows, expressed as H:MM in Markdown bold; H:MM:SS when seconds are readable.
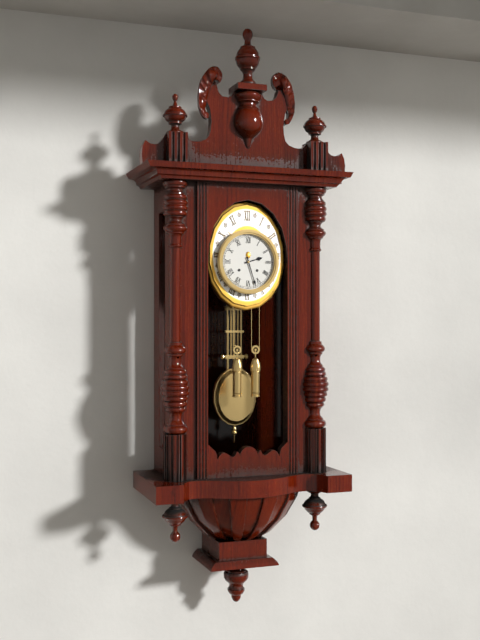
**2:27**
